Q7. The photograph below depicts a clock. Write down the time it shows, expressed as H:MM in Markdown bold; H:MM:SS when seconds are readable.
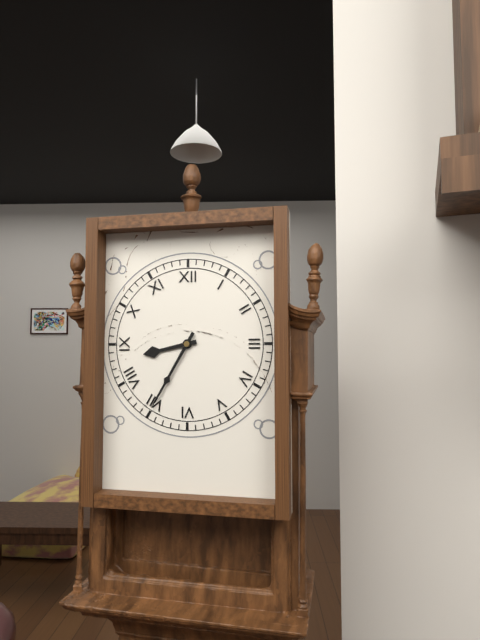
**8:35**
